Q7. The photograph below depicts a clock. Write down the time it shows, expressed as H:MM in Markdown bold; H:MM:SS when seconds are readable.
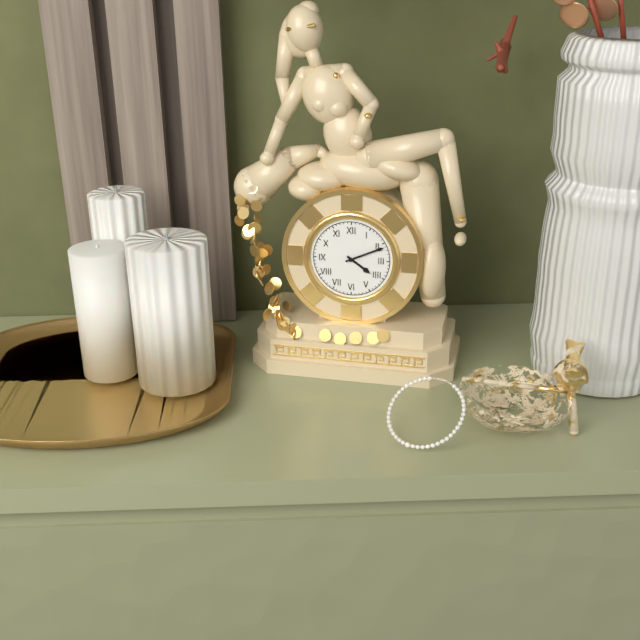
**4:11**
